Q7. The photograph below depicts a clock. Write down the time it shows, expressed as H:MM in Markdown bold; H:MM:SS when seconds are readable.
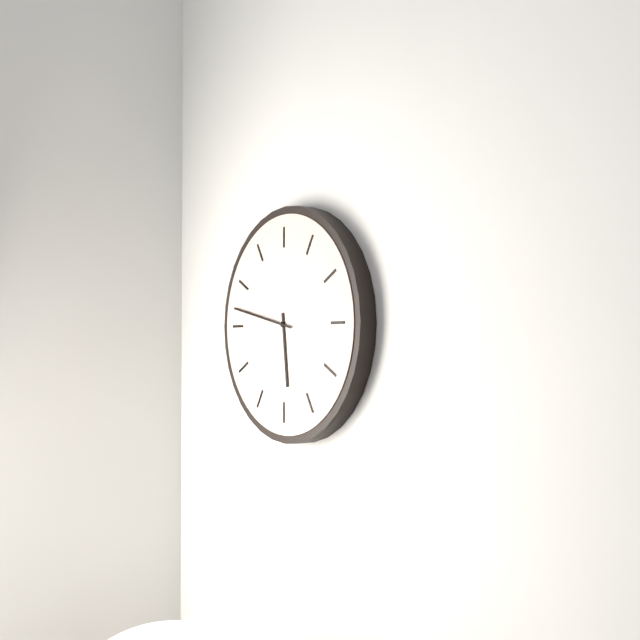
**5:47**
